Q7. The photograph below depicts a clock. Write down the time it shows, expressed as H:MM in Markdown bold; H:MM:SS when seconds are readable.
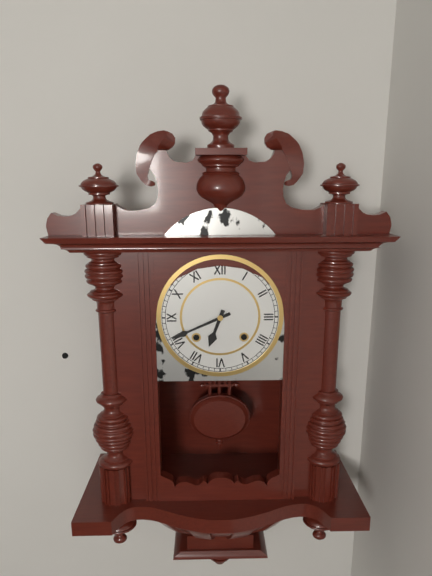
**6:41**
